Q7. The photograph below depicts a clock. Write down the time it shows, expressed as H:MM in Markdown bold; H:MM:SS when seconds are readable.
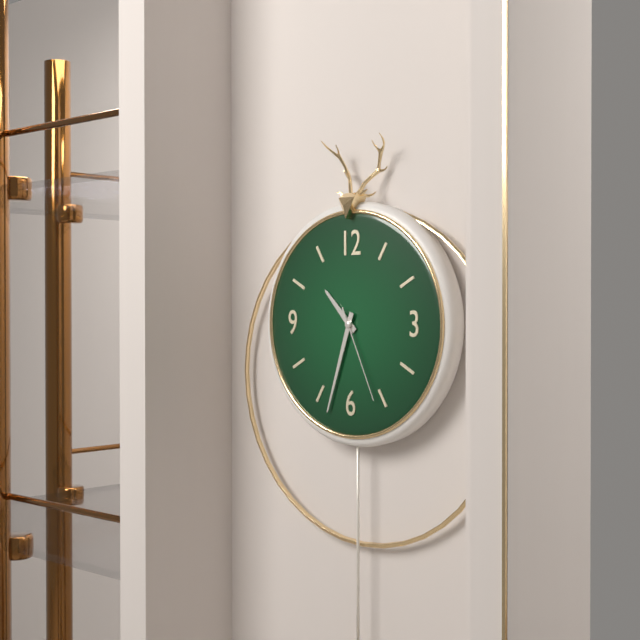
**10:33:26**
